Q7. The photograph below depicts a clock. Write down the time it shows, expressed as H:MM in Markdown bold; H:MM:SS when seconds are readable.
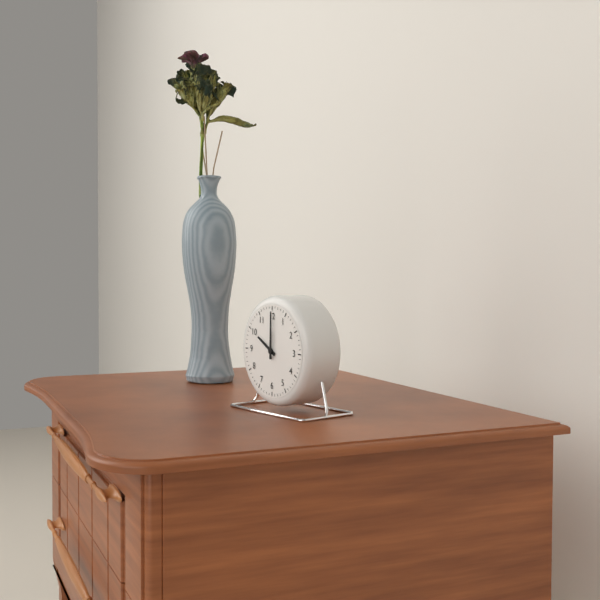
**10:00**
